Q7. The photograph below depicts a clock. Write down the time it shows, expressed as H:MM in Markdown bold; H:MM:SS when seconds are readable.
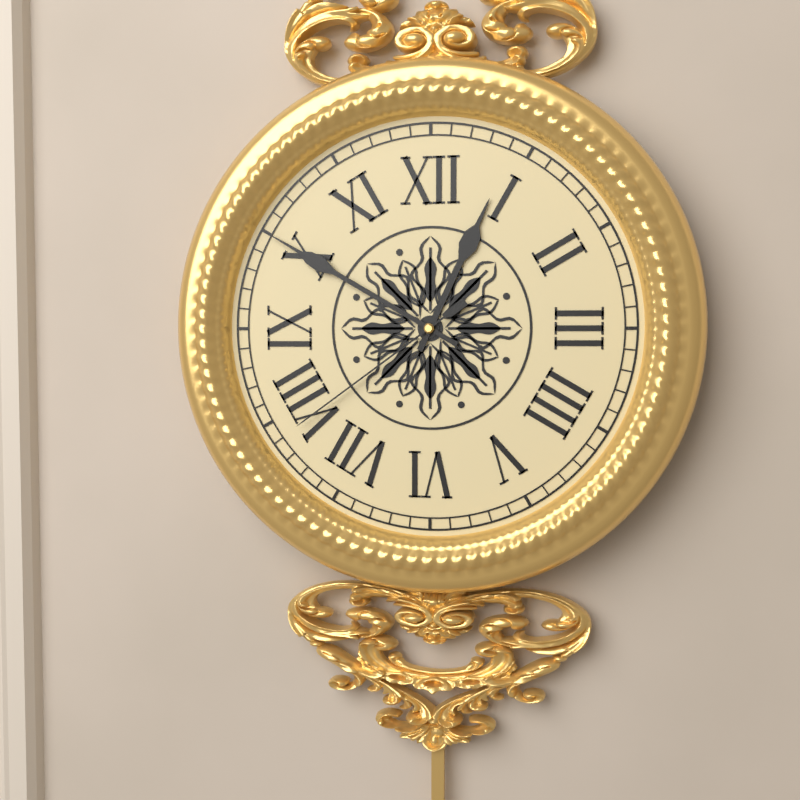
**12:50:39**
